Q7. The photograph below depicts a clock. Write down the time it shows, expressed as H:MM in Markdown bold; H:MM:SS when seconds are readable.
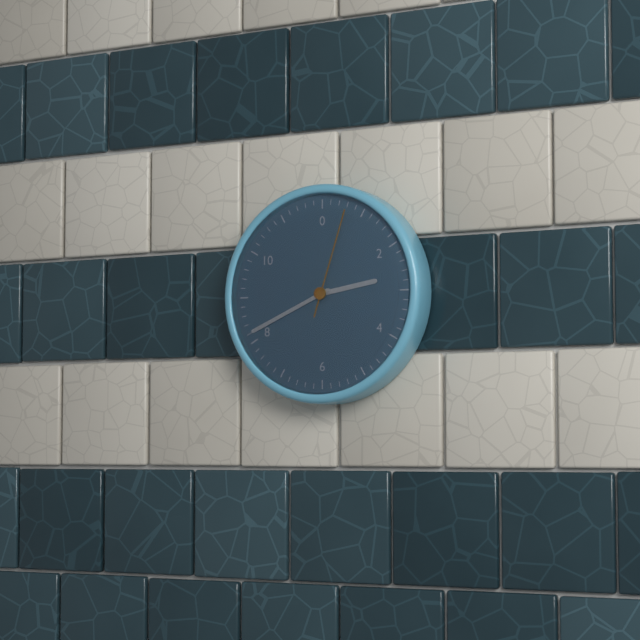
**2:41:03**
